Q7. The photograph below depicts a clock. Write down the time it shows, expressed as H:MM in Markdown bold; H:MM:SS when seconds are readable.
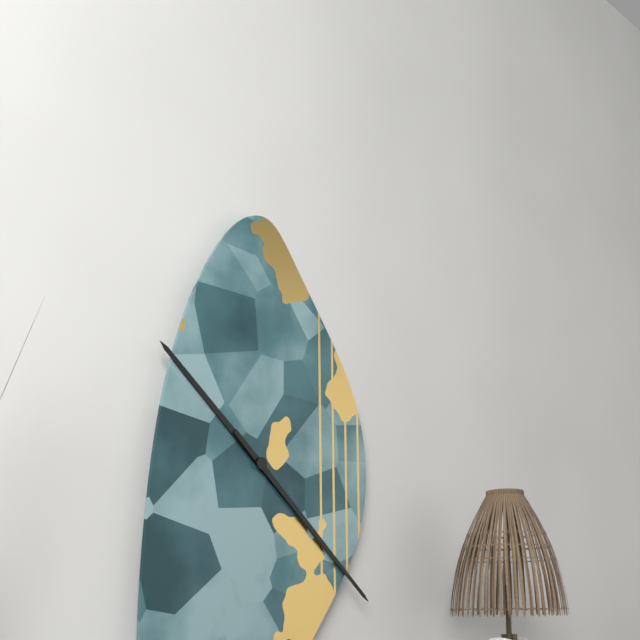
**10:22**
